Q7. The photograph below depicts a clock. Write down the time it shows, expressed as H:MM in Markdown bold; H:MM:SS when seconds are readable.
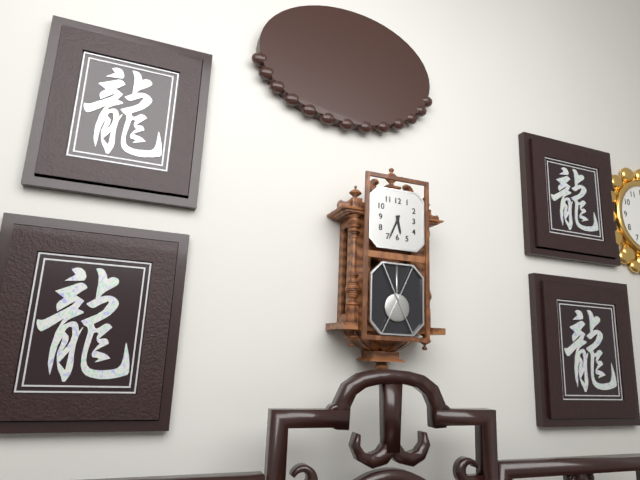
**5:34**
